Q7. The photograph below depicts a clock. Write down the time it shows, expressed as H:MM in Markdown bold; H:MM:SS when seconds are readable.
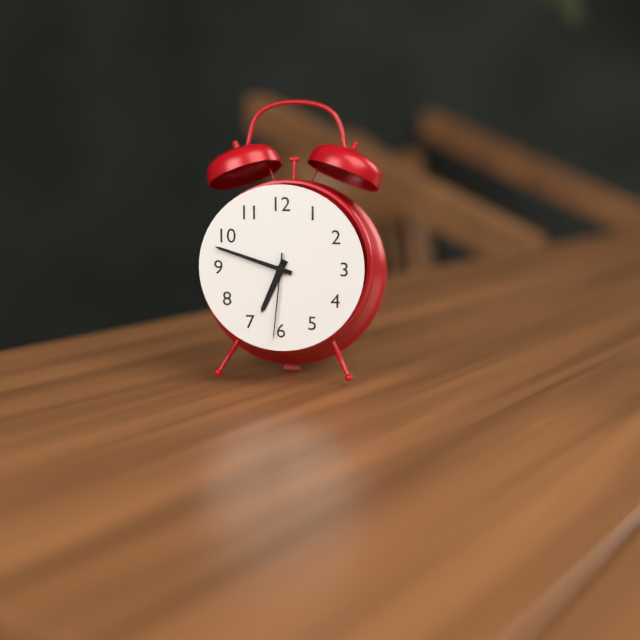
**6:48:31**
